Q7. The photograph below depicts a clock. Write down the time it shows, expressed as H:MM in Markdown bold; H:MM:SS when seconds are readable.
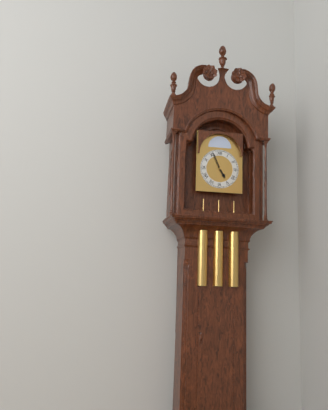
**4:56**
